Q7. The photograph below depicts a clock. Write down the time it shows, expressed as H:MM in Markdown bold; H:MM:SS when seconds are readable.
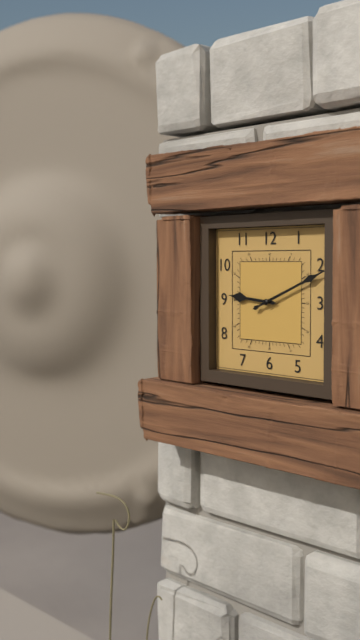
**9:11**
